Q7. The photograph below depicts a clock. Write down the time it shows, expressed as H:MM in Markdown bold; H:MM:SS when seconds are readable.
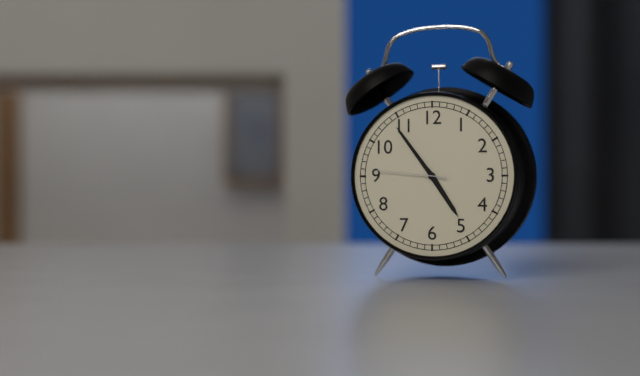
**4:54:46**
